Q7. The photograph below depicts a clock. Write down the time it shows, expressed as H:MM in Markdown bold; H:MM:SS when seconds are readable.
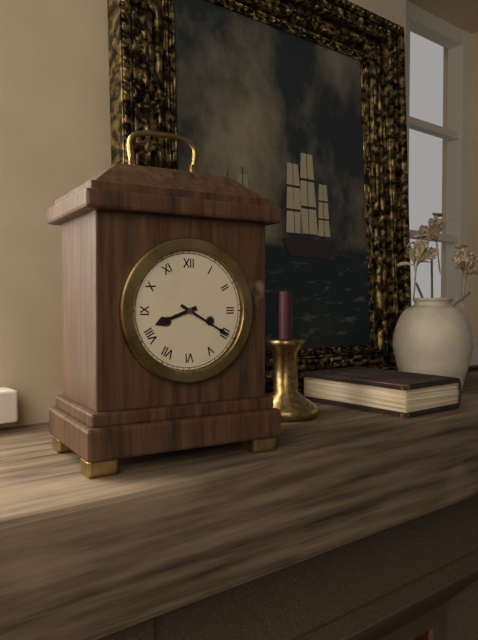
**8:20**
